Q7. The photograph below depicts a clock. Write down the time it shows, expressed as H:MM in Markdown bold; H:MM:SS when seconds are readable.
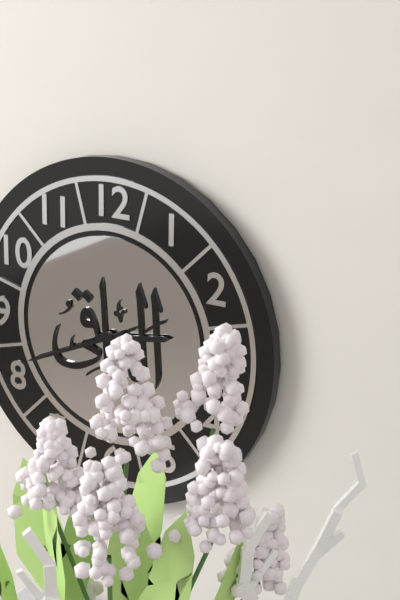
**2:41**
